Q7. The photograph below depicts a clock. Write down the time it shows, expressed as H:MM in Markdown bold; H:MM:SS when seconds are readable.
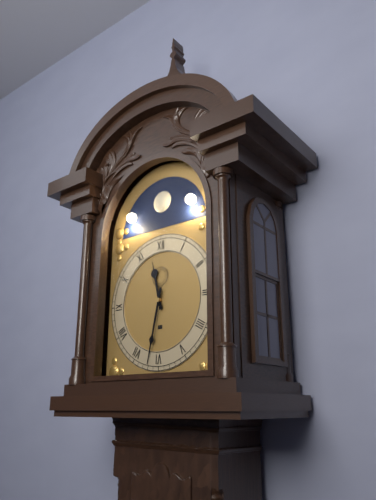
**11:32**
